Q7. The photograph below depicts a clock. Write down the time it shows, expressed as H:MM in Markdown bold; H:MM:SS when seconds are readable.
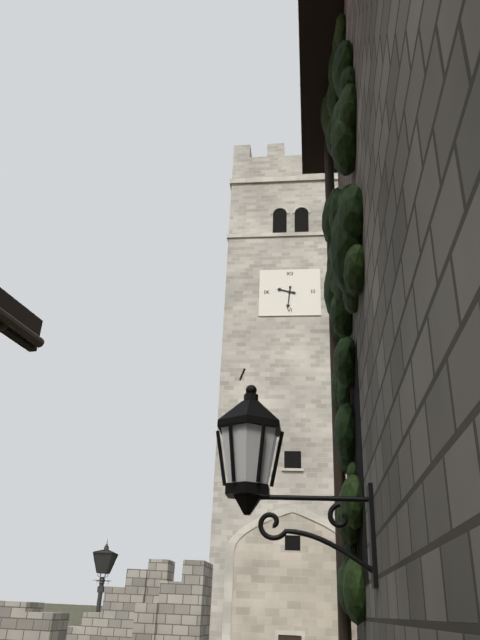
**9:31**
